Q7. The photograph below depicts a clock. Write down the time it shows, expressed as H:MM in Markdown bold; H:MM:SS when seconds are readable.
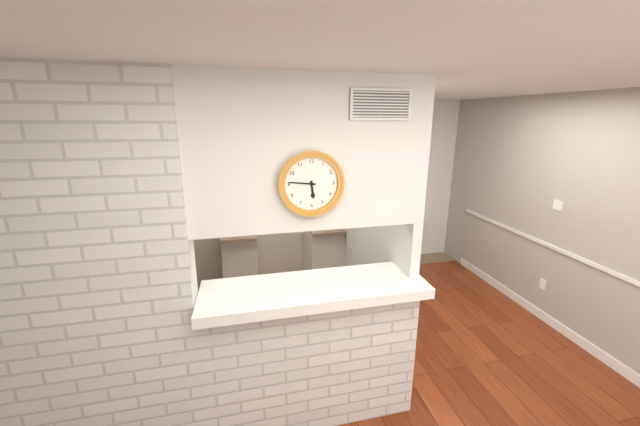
**5:46**
